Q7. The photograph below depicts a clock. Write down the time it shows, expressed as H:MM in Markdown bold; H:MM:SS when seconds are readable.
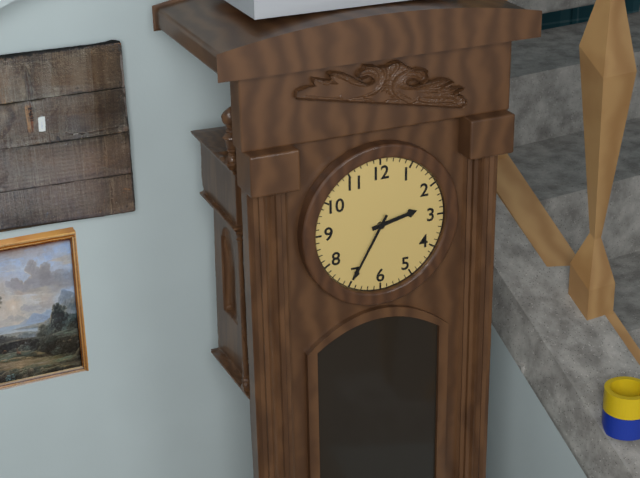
**2:35**
